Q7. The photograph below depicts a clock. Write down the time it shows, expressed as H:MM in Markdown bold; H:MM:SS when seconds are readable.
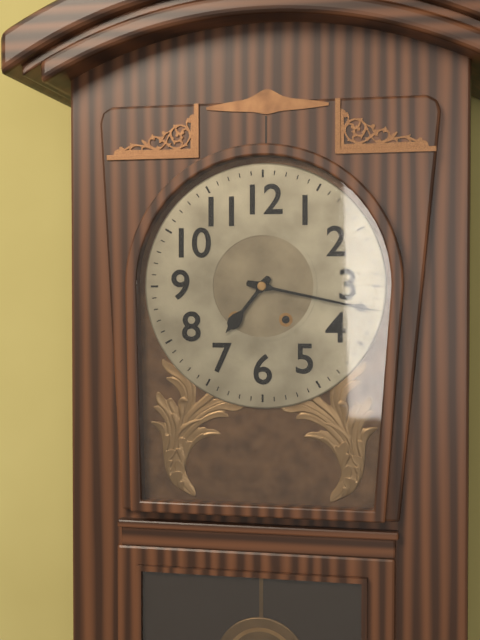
**7:17**
